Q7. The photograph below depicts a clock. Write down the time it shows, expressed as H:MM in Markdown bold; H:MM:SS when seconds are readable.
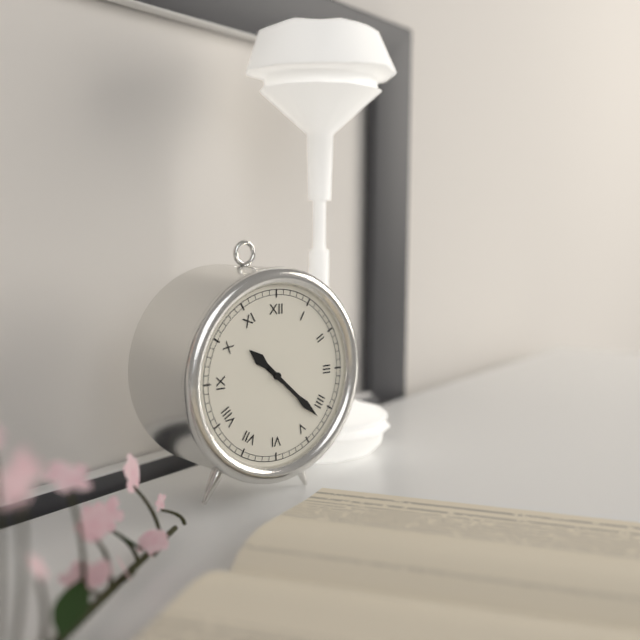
**10:22**
